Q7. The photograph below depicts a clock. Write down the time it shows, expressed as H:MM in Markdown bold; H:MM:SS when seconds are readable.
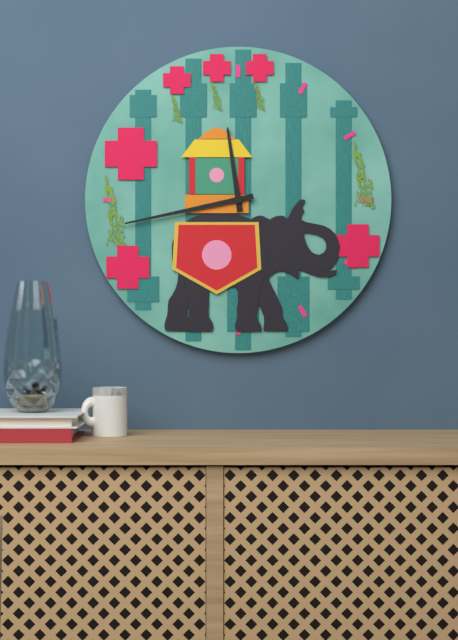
**11:43**
